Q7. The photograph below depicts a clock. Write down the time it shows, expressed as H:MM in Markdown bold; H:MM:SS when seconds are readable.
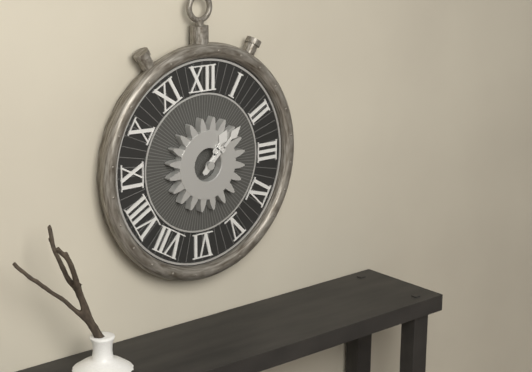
**1:08**
